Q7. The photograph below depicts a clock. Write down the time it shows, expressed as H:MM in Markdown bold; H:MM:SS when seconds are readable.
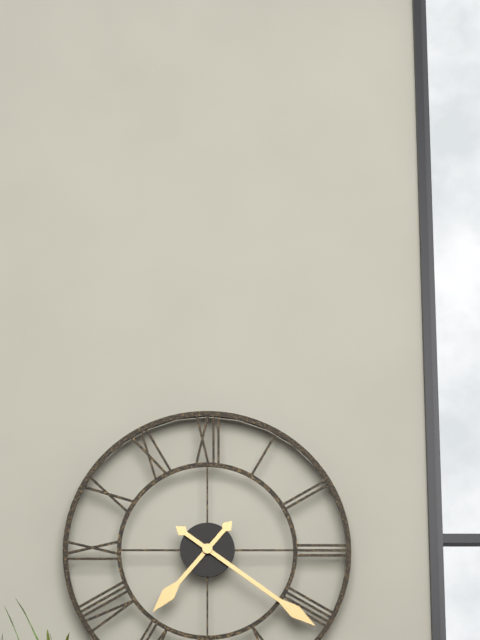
**7:21**
